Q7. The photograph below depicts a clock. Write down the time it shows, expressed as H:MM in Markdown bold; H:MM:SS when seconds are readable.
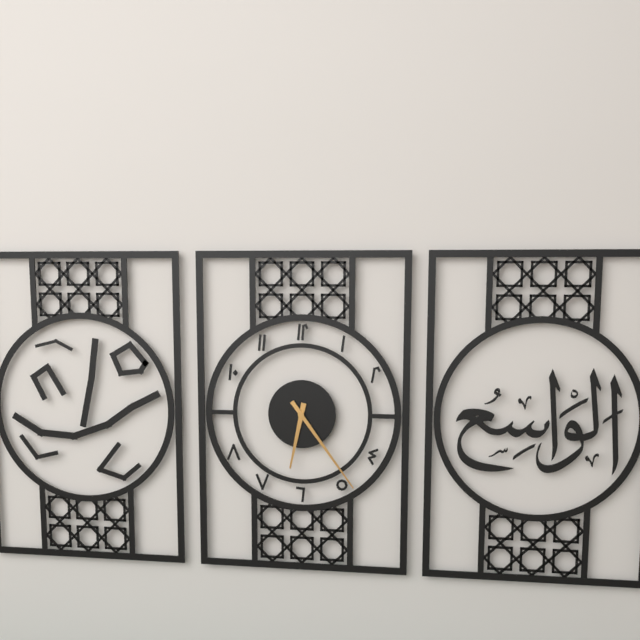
**6:24**
